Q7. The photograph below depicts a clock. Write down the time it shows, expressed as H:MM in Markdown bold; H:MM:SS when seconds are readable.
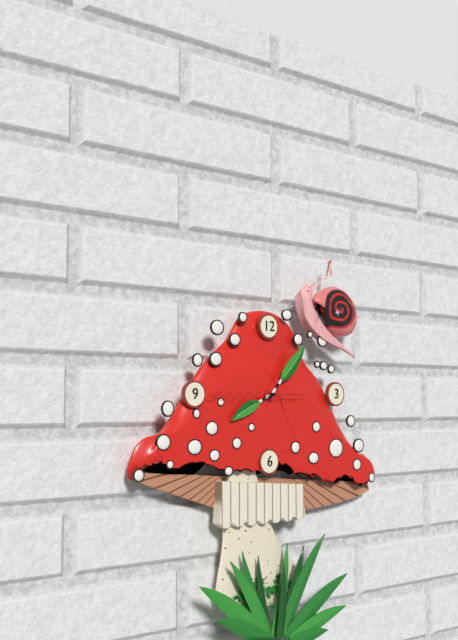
**8:07:45**
